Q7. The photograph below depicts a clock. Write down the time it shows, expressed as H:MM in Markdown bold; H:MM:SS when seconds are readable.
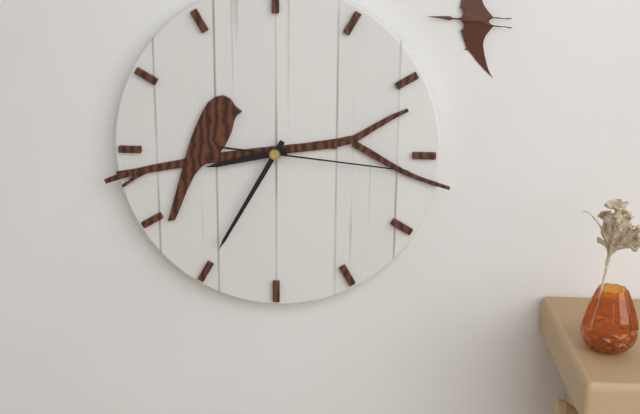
**8:35:16**
